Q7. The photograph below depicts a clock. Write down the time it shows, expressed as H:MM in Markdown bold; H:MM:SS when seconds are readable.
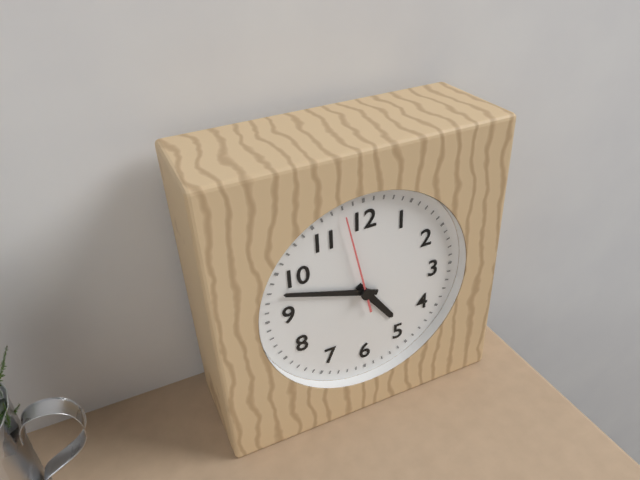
**4:48:58**
